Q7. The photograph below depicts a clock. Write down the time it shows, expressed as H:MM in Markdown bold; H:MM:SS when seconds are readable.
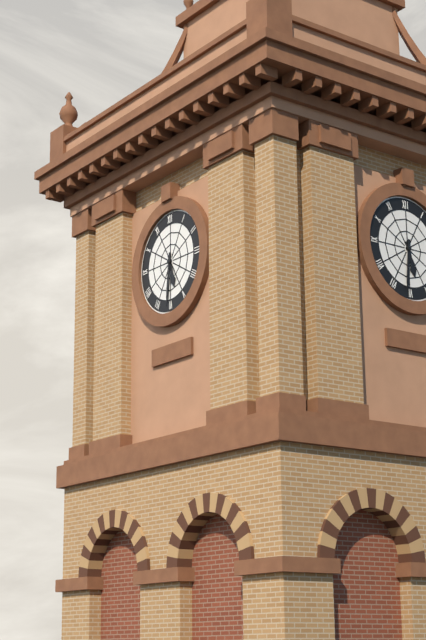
**5:31**
